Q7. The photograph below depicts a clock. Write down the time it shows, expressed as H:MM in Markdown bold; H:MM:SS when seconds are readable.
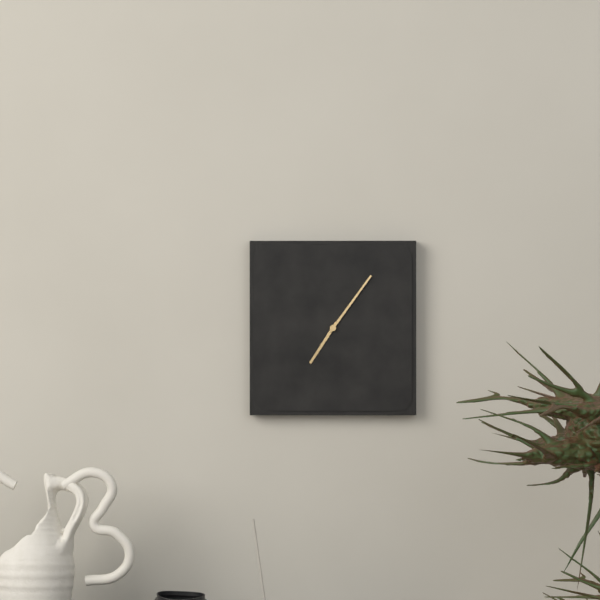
**7:06**
